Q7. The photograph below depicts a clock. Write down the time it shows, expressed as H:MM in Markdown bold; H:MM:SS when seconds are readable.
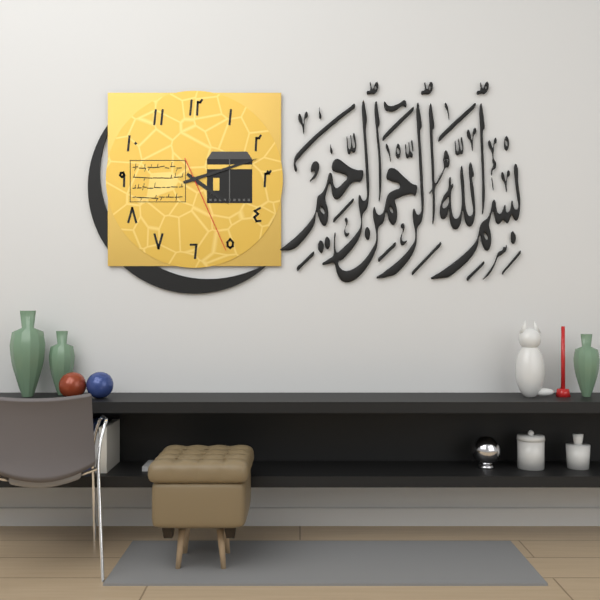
**4:12:26**
